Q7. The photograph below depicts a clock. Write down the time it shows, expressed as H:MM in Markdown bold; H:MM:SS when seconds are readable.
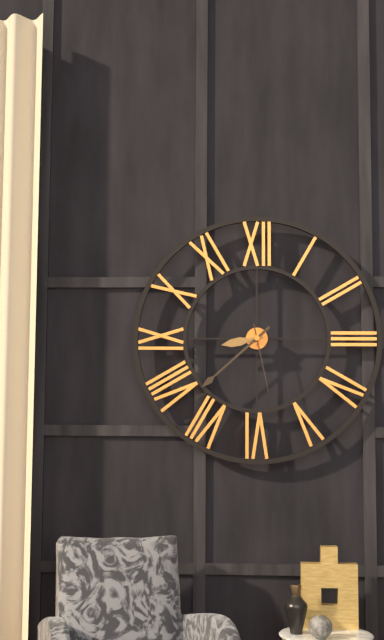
**8:38:28**
